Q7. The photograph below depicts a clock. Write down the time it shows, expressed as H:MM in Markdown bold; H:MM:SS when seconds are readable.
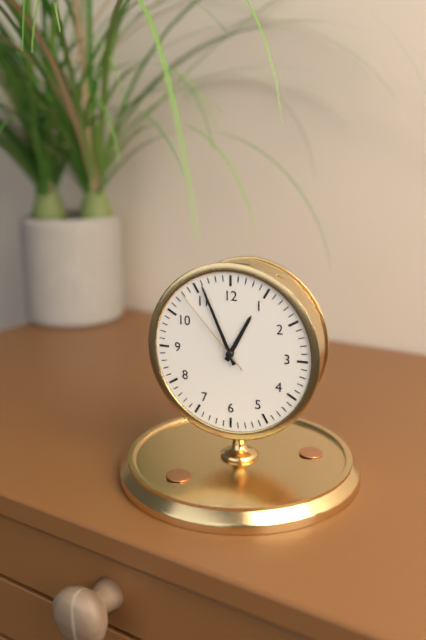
**12:56:53**
